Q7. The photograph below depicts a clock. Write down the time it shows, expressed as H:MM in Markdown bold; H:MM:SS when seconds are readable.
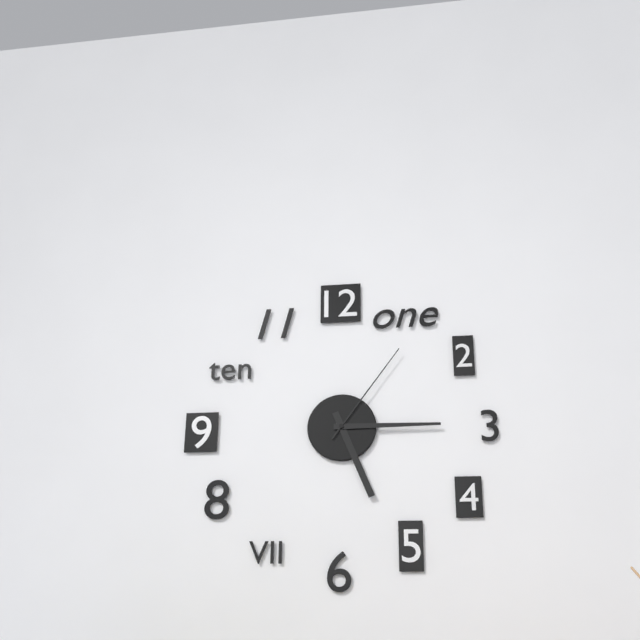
**5:15:06**
